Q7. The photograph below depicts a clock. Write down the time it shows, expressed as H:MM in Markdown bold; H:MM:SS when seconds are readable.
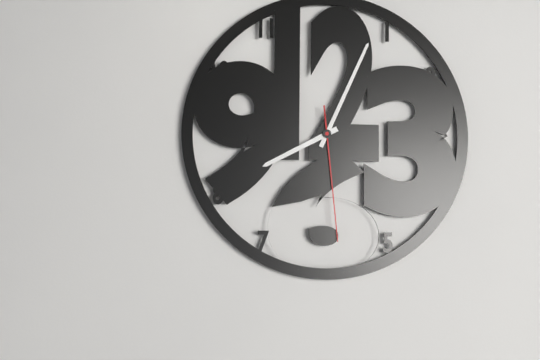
**8:04:29**
